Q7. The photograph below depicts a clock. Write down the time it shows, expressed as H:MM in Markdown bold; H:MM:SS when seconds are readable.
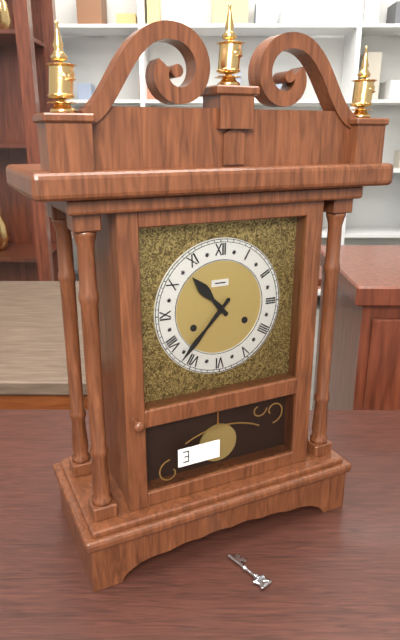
**10:37**
